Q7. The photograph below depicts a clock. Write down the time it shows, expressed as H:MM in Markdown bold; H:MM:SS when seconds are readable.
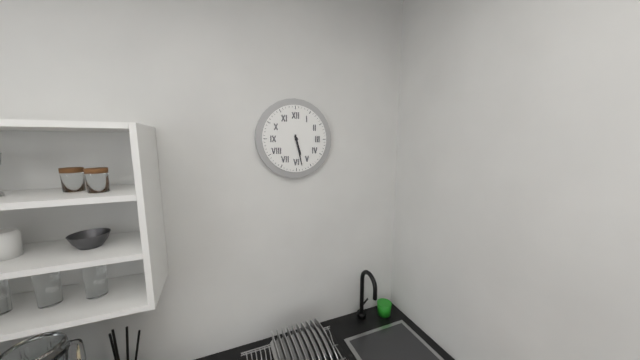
**5:28**
